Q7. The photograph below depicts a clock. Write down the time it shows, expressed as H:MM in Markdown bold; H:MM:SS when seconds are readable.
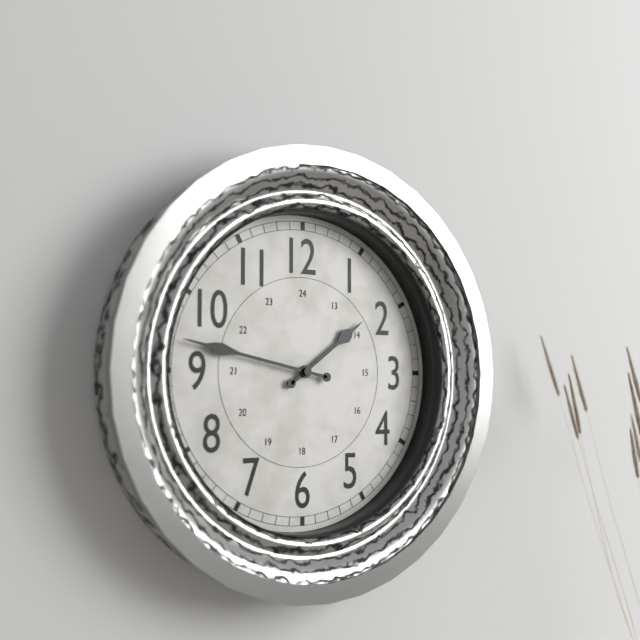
**1:47**
